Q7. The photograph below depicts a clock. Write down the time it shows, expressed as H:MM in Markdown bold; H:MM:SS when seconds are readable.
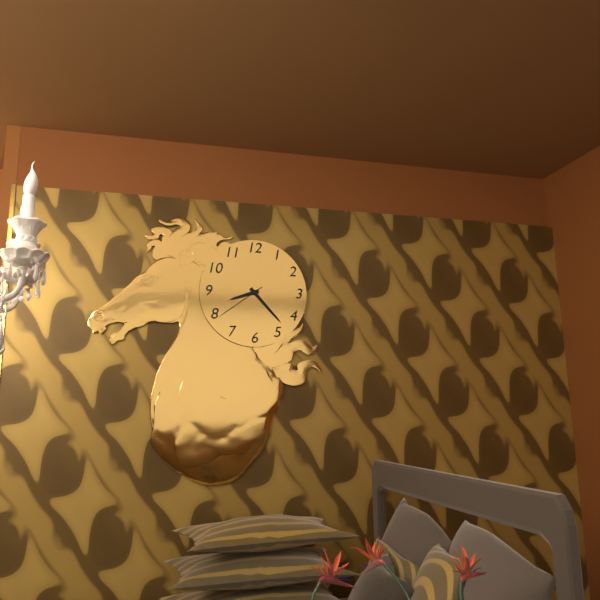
**8:23:39**
